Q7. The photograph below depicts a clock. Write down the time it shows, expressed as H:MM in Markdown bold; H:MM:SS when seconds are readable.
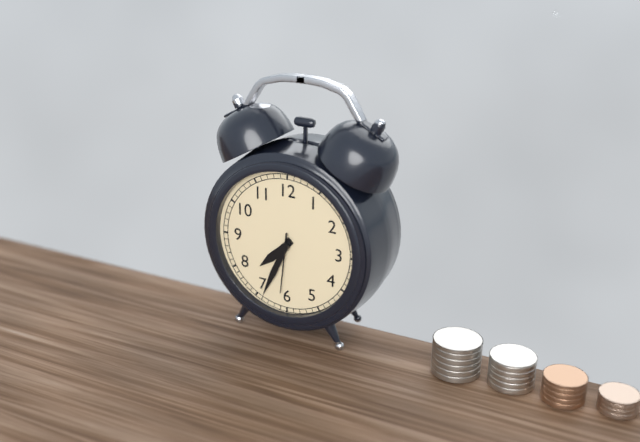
**7:34:31**
